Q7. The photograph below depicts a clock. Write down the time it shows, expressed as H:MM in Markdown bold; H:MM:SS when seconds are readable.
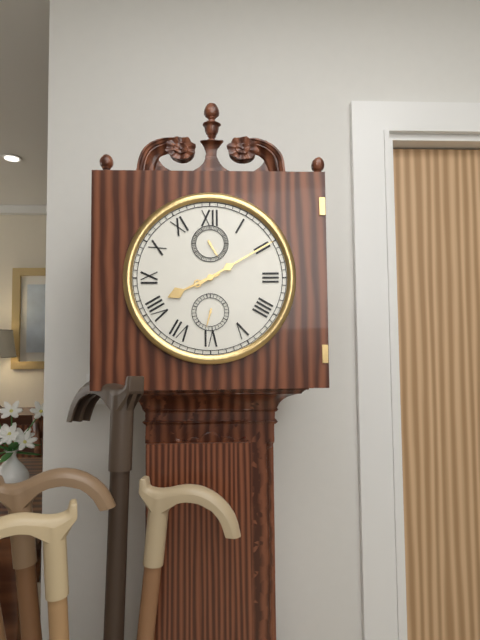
**8:10**
